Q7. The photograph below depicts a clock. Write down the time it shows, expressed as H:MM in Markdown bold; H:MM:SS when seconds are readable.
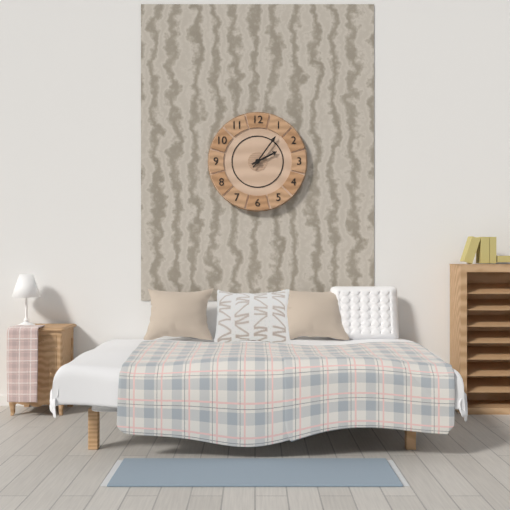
**2:06**
